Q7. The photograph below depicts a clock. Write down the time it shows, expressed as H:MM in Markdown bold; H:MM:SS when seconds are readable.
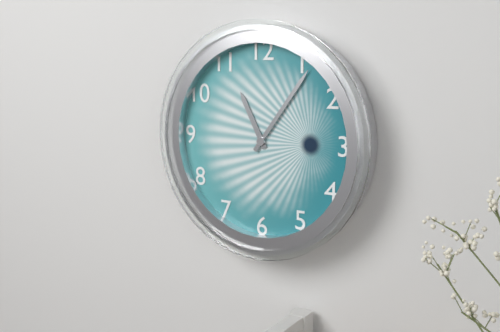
**11:06**
